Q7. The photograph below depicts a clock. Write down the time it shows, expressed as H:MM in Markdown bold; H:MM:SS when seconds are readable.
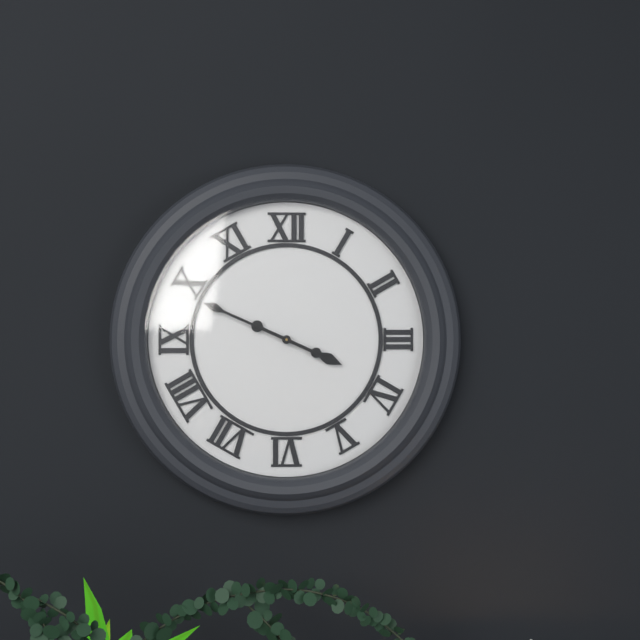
**3:49**
